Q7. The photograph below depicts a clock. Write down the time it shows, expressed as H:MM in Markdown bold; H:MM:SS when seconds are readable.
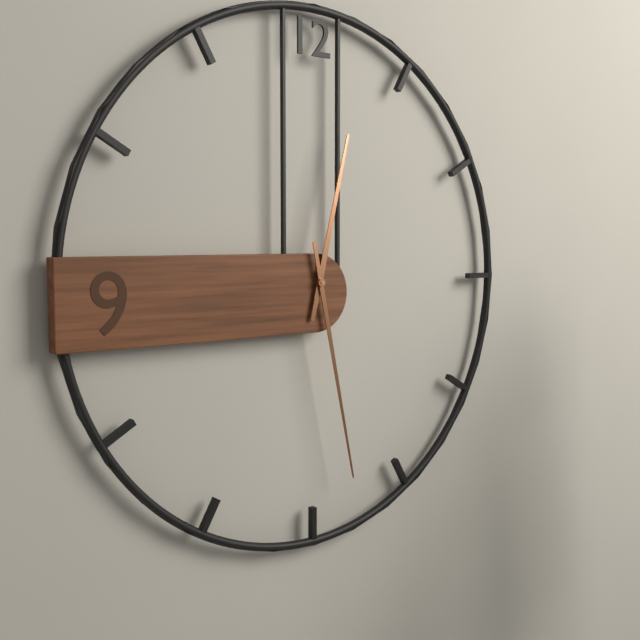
**12:28**
